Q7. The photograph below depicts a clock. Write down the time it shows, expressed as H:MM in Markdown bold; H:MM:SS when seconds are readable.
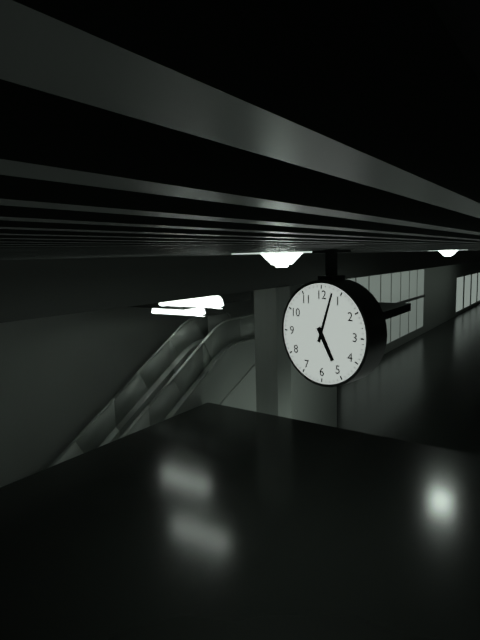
**5:03**
